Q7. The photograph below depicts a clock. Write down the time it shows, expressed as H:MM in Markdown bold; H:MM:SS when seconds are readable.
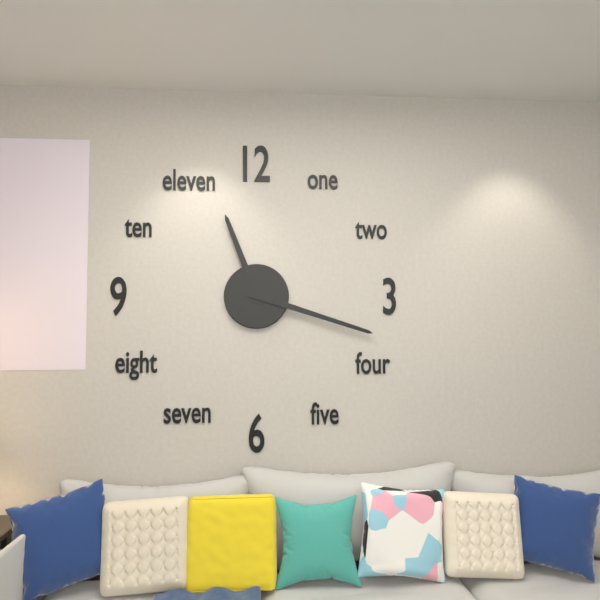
**11:18**
